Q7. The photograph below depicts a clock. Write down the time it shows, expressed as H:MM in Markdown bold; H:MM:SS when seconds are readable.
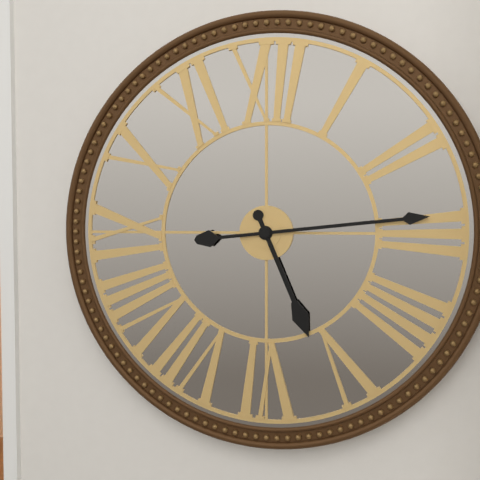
**5:14**
